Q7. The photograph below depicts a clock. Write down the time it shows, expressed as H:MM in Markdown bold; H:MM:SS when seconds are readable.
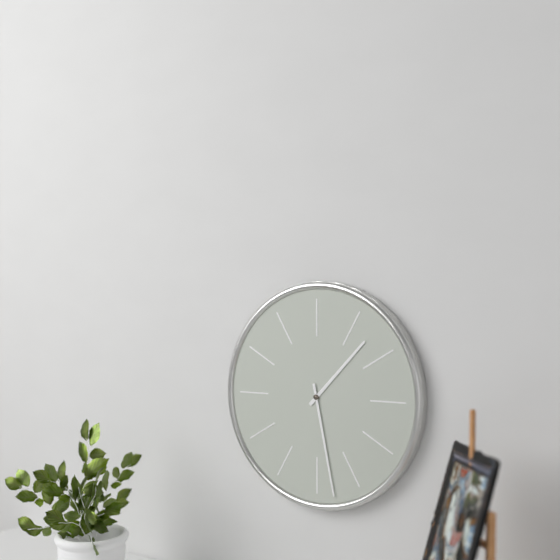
**1:28**
